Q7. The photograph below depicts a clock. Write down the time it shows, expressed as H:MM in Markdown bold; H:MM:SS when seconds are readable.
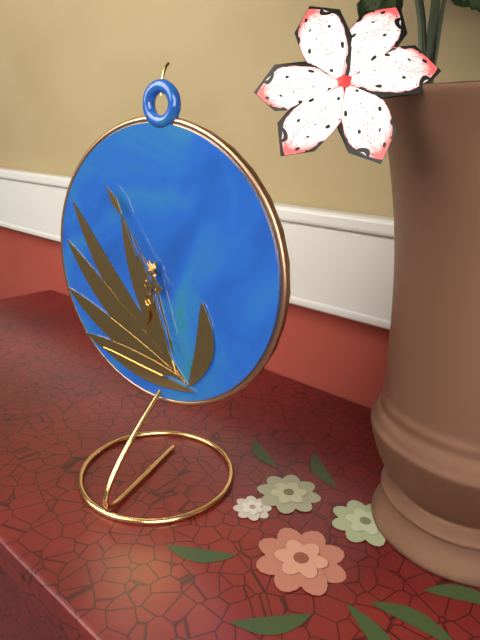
**6:27:54**
